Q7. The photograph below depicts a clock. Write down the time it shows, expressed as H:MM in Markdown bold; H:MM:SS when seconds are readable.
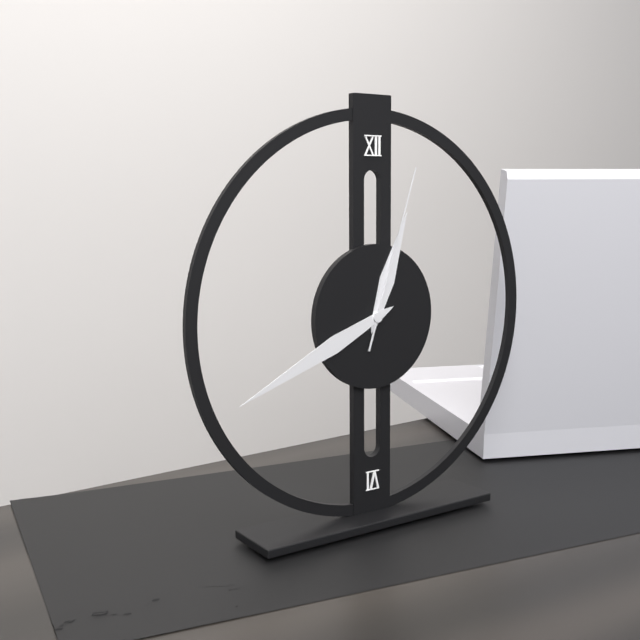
**12:41:03**
